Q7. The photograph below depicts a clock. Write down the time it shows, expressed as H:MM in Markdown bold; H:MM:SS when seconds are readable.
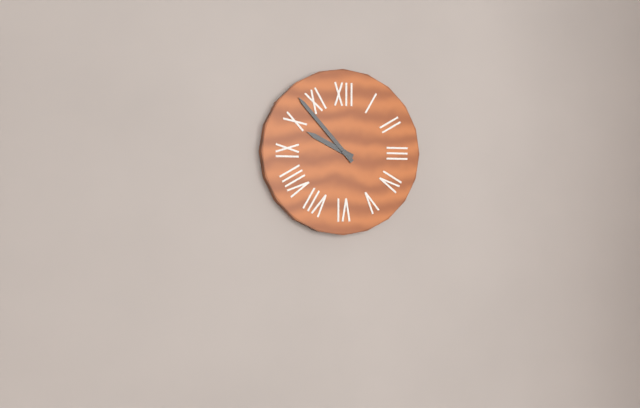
**9:53**
